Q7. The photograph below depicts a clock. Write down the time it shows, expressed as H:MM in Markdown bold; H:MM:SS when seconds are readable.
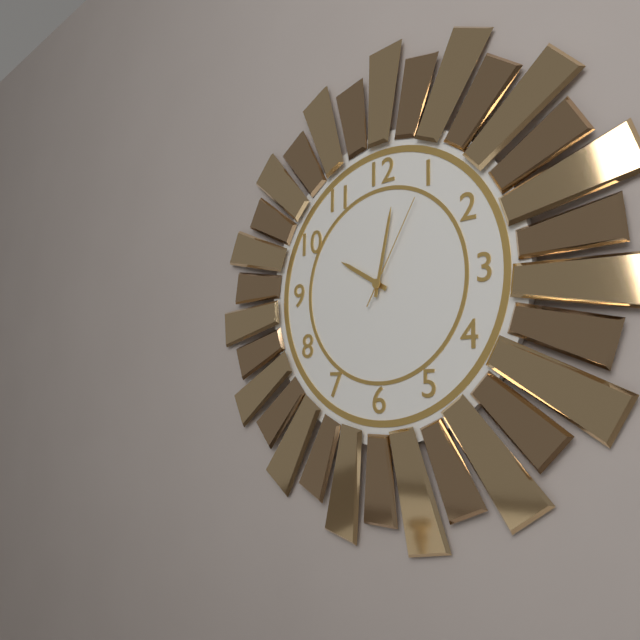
**10:02:05**
